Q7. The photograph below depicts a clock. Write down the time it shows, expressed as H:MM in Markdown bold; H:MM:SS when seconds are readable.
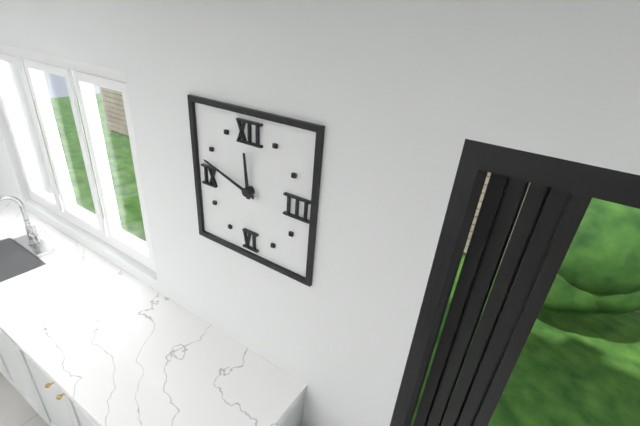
**11:48**
